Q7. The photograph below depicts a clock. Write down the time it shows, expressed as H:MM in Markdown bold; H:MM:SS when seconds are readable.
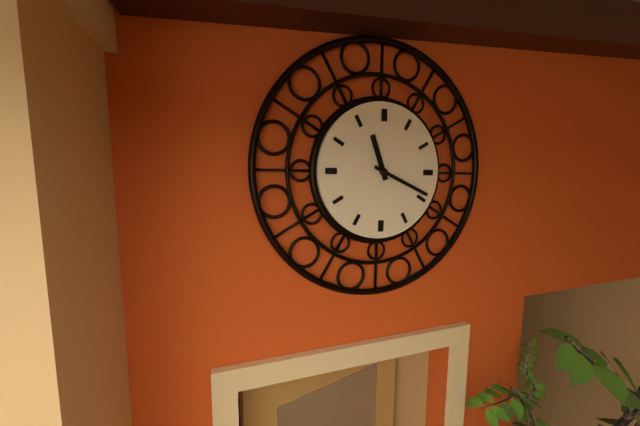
**11:19**
